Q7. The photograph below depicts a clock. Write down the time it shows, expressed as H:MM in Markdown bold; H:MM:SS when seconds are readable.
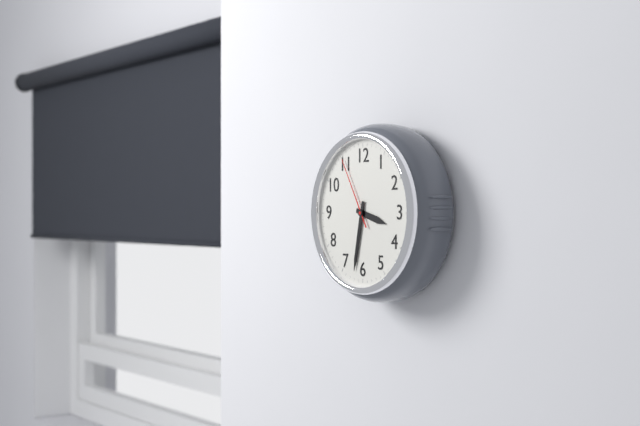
**3:32:55**
